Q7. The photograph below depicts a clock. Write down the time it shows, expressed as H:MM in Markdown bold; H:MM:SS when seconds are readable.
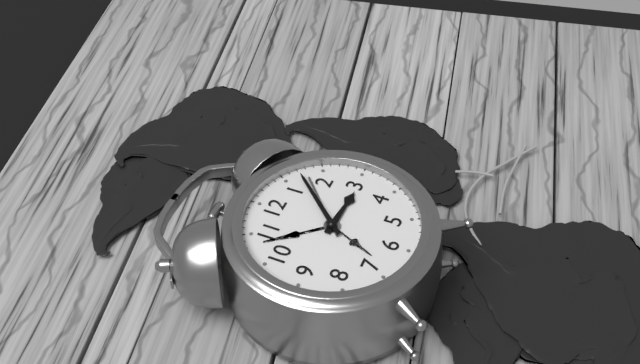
**3:07**
